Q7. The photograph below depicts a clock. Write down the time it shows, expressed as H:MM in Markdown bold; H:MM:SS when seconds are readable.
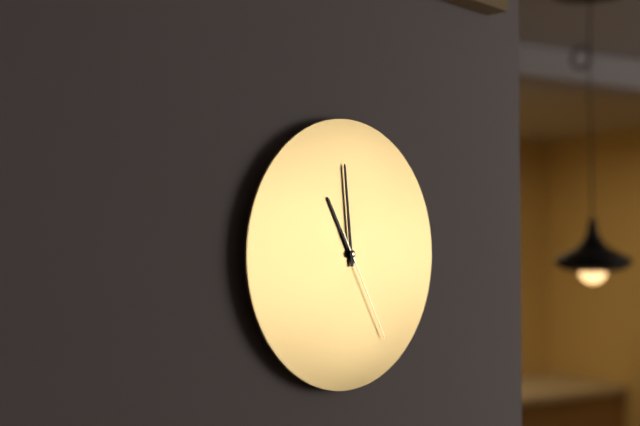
**10:59:25**
